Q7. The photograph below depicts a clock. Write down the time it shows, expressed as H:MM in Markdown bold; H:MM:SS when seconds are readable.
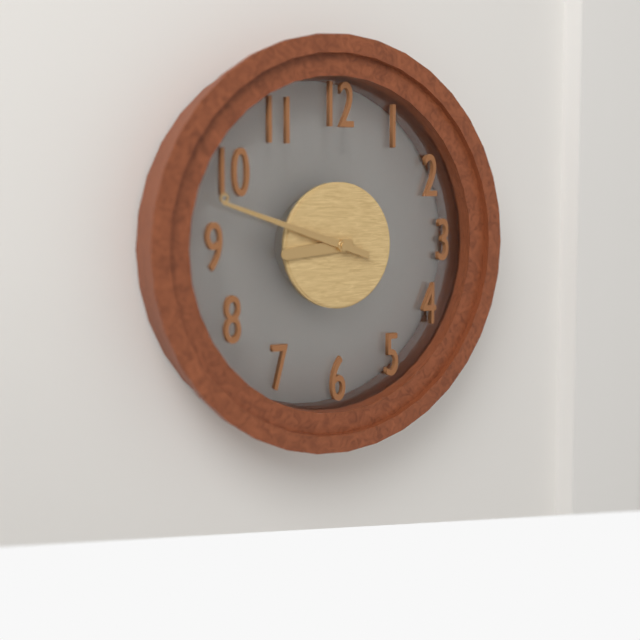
**8:48**
